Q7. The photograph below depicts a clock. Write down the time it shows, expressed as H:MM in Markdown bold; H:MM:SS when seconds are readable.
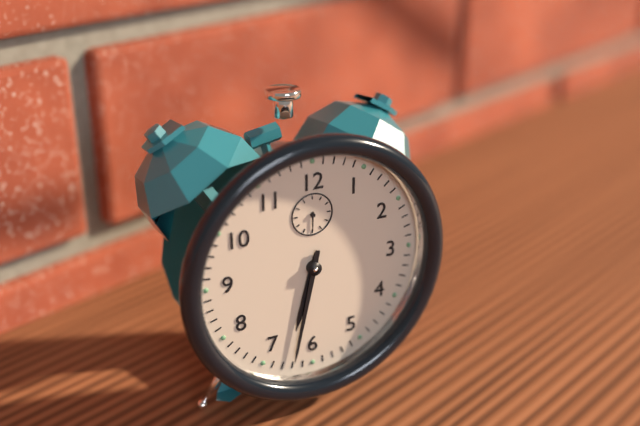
**6:32**
